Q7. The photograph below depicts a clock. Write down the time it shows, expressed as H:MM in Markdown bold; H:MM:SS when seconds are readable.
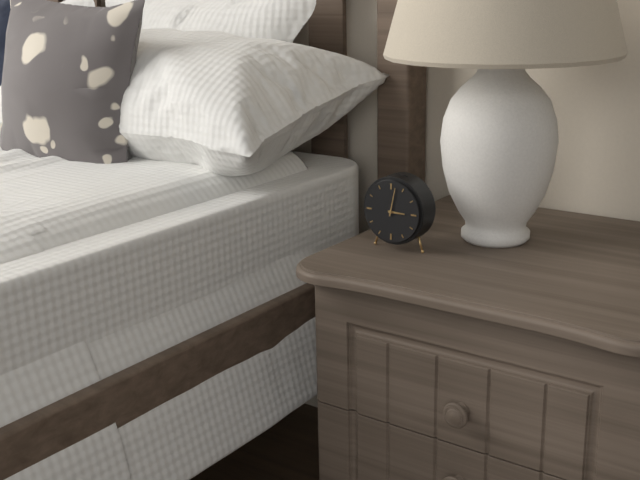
**3:02**
